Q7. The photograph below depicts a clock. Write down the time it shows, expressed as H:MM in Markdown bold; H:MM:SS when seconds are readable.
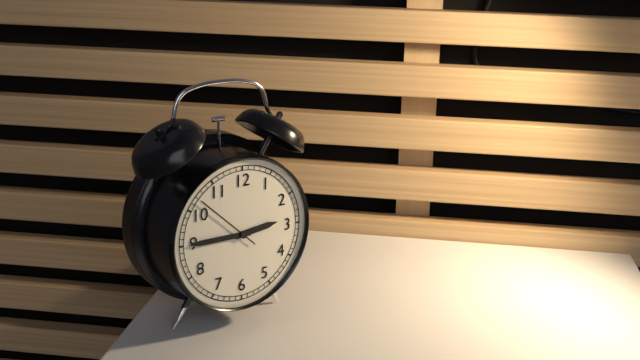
**2:45:52**
